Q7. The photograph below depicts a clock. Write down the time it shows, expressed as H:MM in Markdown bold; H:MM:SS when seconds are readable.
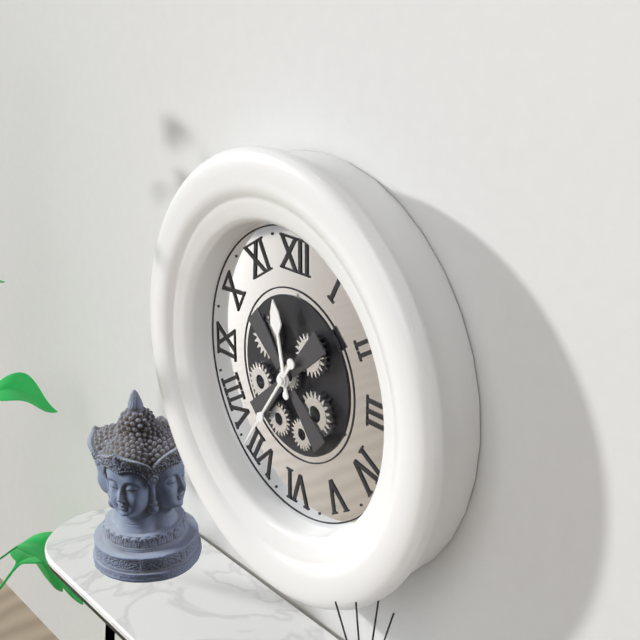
**11:36**
